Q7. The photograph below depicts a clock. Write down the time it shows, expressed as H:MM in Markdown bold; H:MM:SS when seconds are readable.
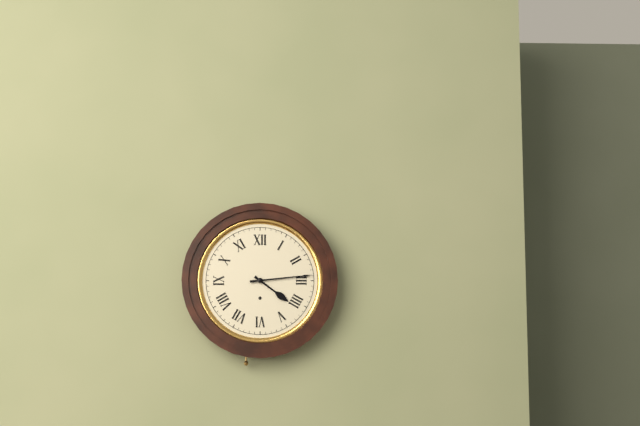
**4:14**
